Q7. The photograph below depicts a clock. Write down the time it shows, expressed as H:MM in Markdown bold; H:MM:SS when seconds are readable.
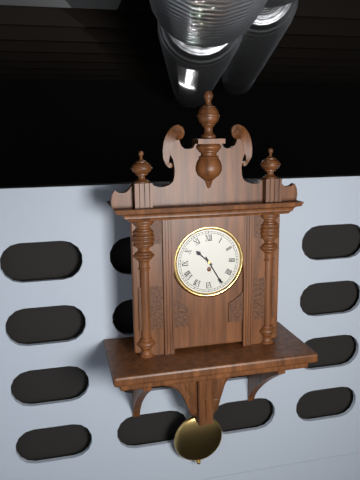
**10:25**
